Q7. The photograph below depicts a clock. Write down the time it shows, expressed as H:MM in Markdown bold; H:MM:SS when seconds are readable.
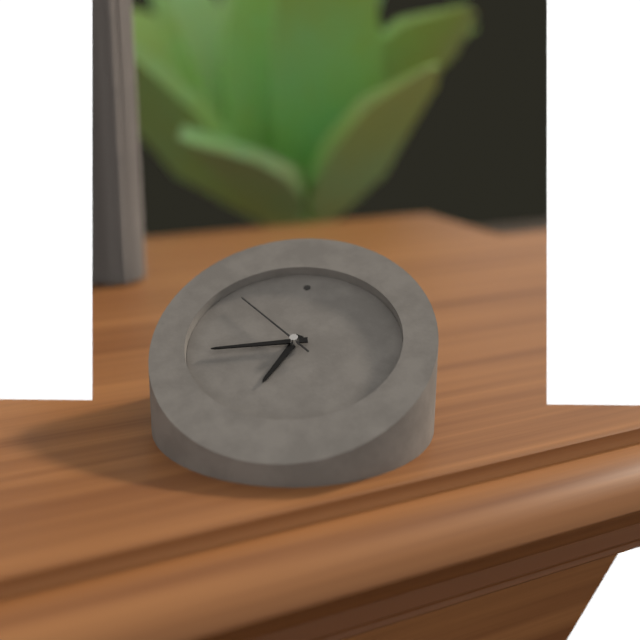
**6:43:52**
